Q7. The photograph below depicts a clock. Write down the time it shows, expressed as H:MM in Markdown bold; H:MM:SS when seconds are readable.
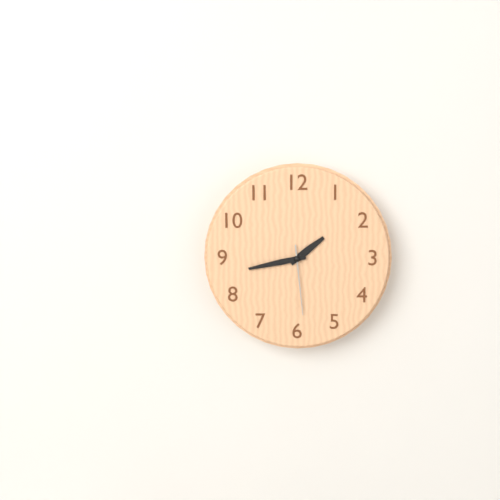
**1:43:29**
